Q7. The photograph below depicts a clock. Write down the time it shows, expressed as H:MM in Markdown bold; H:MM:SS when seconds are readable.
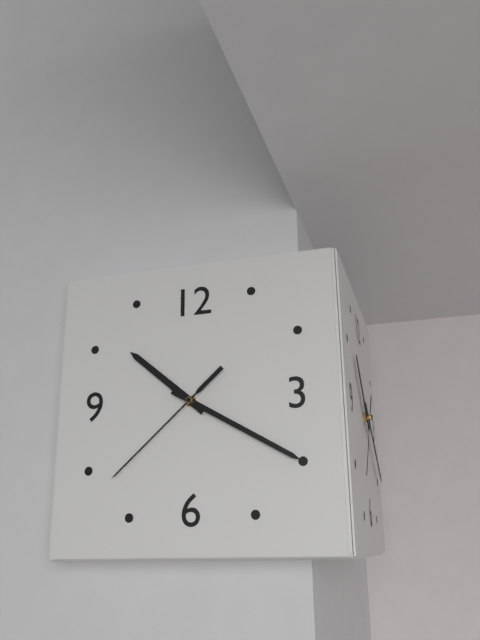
**10:20:38**
